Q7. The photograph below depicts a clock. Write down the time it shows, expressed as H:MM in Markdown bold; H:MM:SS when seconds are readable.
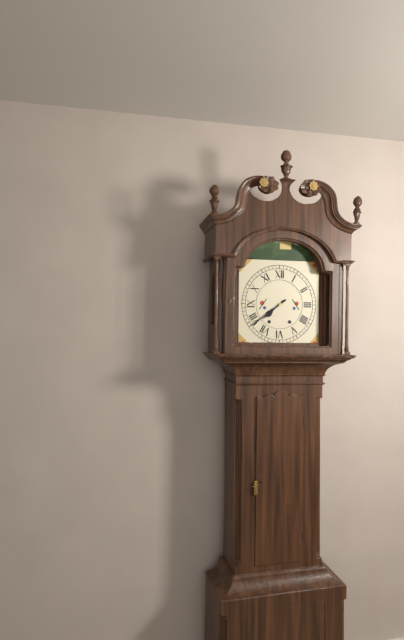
**7:39**
